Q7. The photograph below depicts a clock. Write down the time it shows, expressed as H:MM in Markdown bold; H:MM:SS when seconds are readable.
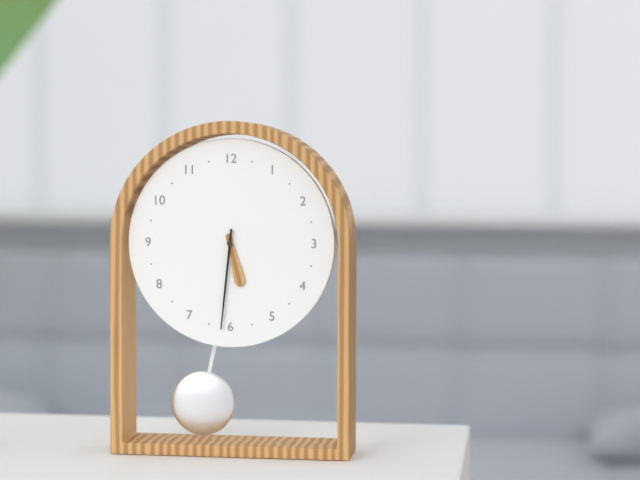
**5:31**
